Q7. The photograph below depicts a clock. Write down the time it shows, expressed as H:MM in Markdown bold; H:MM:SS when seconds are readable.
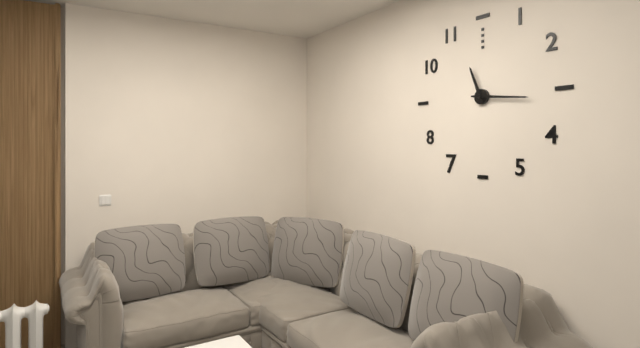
**11:16**
